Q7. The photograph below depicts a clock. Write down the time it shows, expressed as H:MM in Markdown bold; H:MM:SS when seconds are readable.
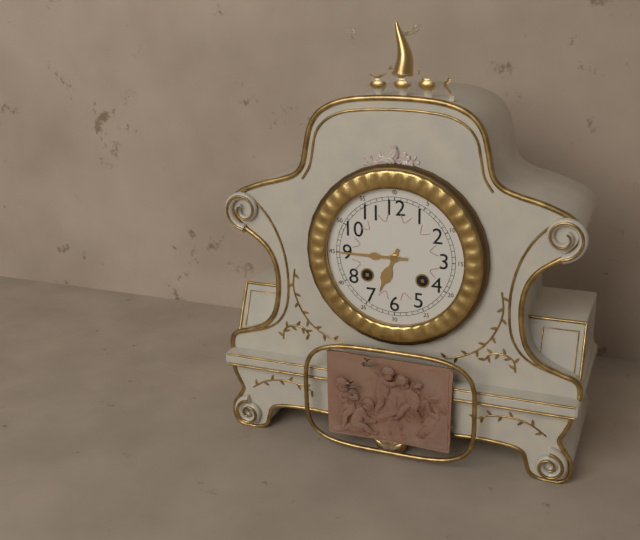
**6:45**
